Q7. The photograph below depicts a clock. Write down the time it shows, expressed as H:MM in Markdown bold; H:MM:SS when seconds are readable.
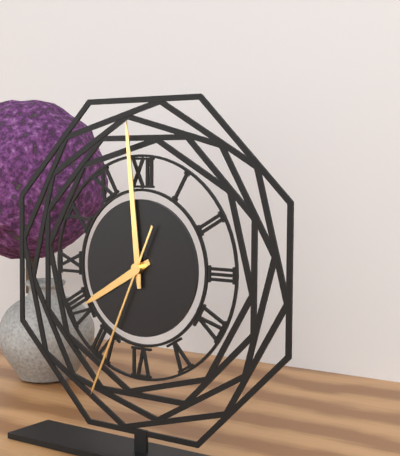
**7:59:34**
